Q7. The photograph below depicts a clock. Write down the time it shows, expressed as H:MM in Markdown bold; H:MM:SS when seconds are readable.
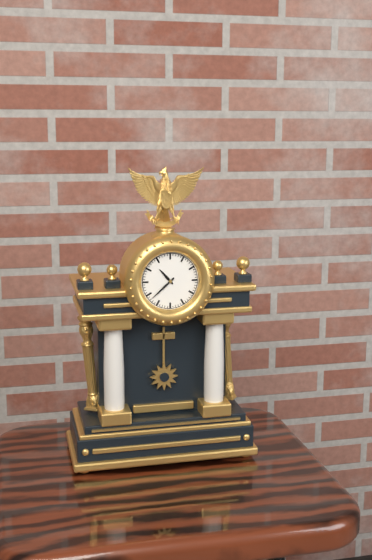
**10:38**
